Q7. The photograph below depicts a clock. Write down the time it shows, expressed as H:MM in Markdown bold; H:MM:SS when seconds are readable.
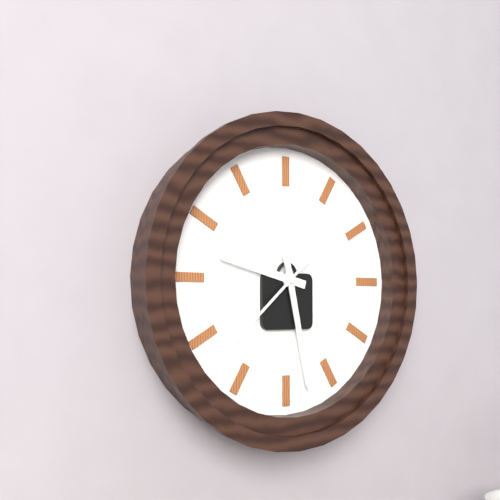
**9:28:38**
